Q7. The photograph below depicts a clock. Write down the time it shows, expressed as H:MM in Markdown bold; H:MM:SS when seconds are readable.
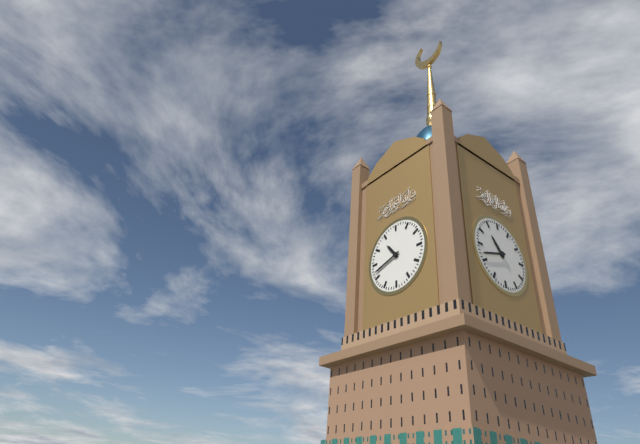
**10:42**
